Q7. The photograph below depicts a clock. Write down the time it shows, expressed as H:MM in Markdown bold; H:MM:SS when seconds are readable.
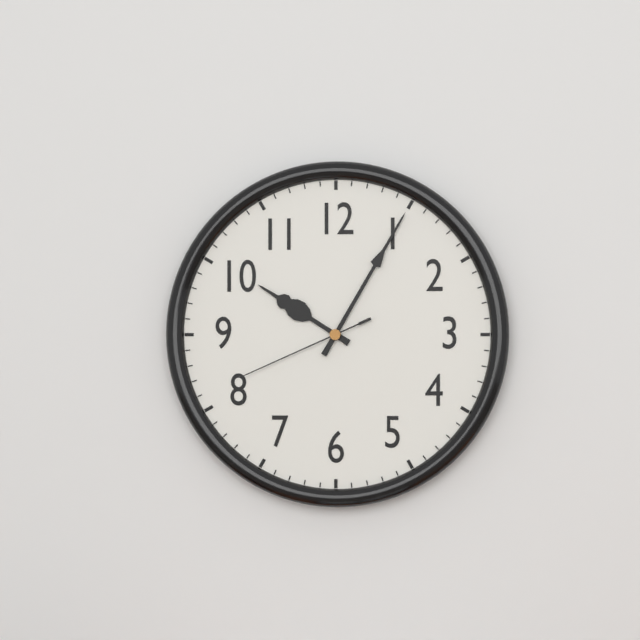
**10:05:41**
